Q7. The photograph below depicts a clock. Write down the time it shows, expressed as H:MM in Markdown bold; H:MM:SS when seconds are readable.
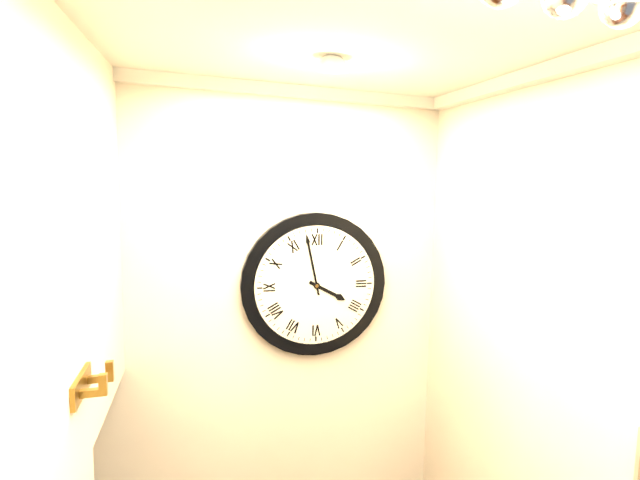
**3:58**
